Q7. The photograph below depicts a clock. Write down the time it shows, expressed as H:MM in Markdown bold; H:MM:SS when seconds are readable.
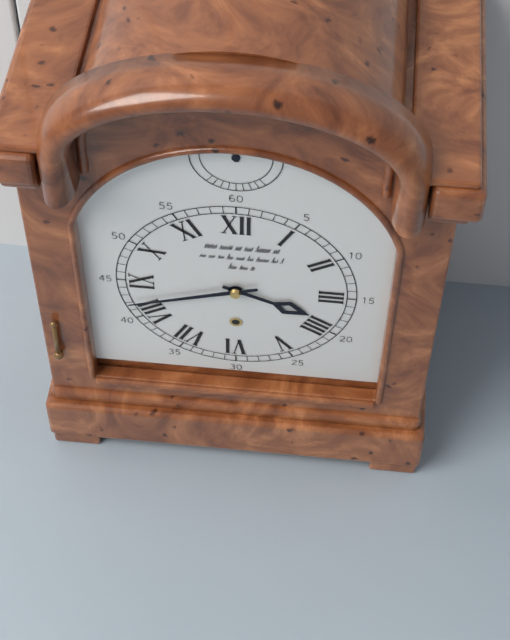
**3:42**
